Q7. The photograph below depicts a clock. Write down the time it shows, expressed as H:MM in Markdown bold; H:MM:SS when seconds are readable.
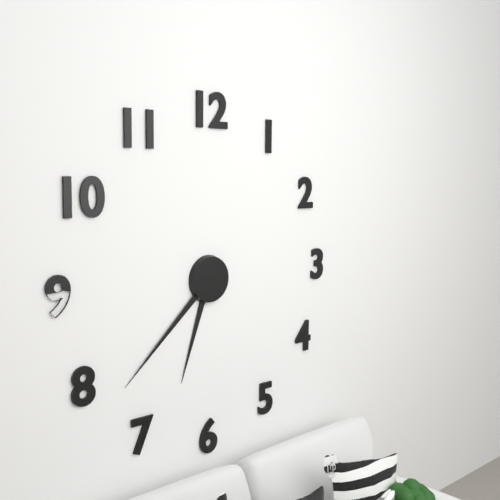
**6:38**
